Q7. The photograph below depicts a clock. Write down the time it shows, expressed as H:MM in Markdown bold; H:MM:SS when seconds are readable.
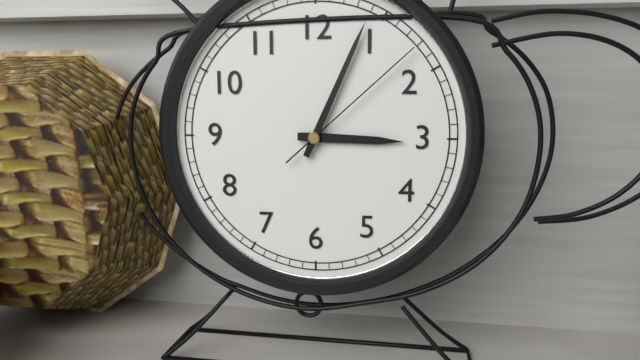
**3:04:08**
